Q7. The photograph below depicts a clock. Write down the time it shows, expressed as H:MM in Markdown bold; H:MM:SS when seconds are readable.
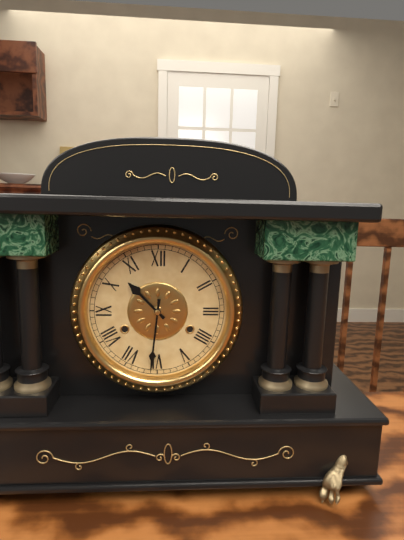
**10:31**
